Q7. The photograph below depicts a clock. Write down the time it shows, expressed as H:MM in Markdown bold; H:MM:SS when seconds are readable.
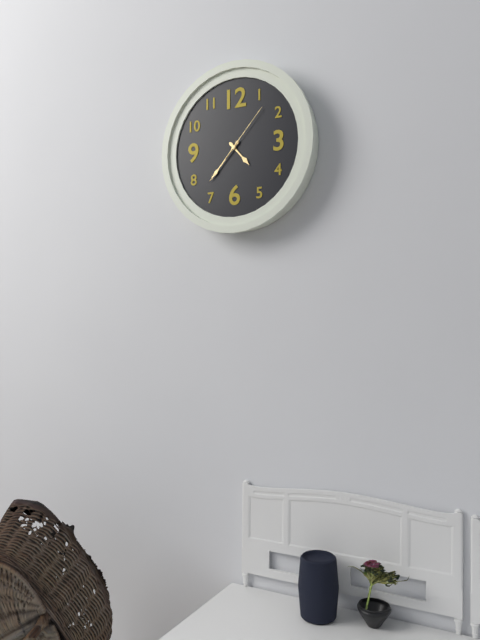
**4:37:07**
